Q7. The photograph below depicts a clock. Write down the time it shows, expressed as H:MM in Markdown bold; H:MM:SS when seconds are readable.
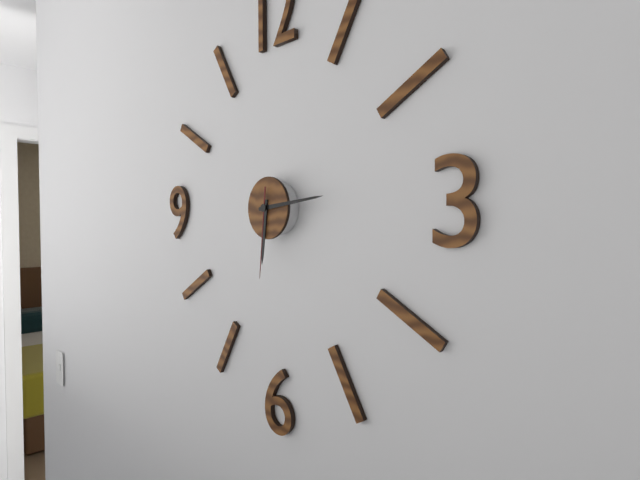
**6:14:31**
